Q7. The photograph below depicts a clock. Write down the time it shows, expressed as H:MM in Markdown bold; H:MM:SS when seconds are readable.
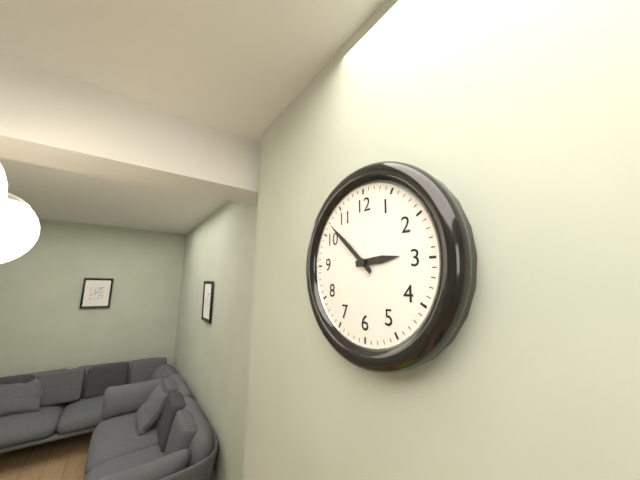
**2:52**
